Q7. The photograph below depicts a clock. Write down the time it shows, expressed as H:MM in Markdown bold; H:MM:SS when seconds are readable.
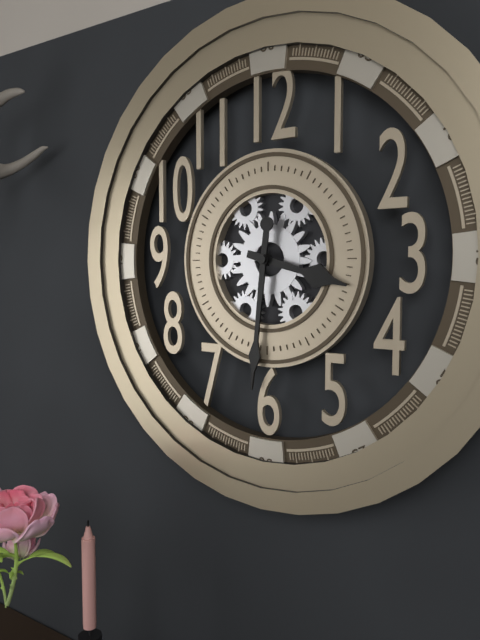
**3:31**
